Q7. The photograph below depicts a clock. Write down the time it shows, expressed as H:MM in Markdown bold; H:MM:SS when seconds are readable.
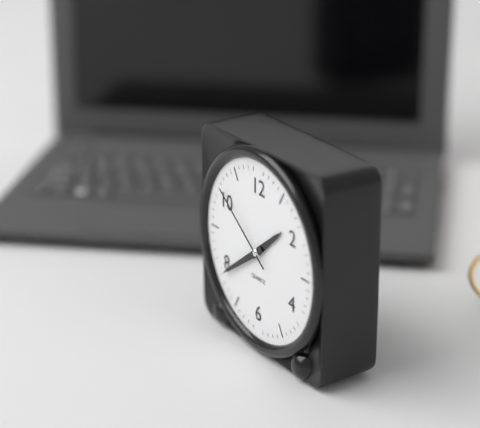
**1:39:51**
